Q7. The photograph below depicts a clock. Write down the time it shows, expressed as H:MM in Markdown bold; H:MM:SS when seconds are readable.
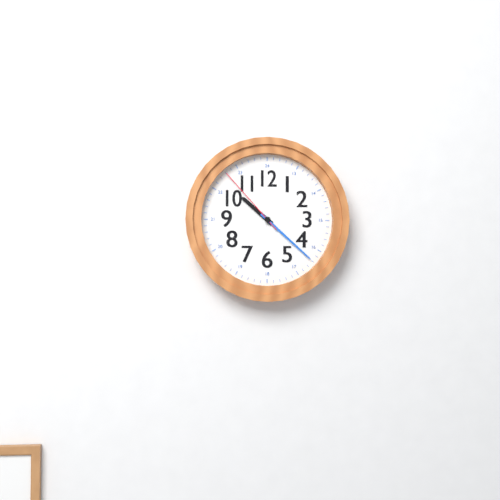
**10:22:53**
